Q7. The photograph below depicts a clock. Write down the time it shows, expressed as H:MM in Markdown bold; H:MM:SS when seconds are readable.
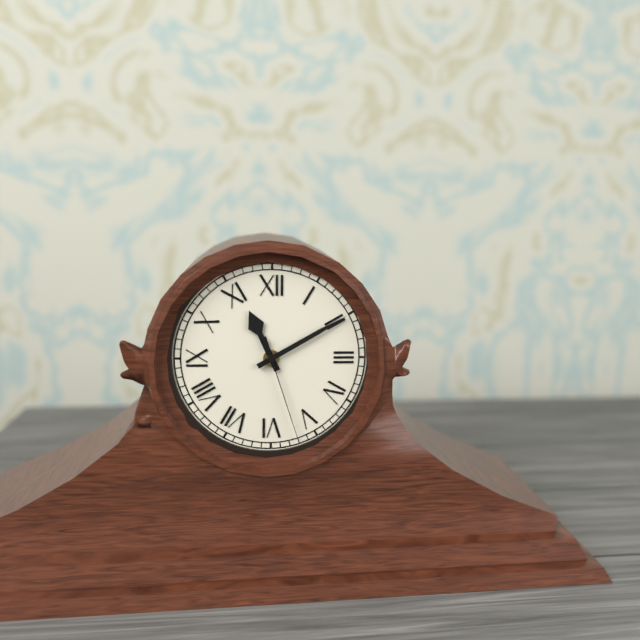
**11:10:27**
